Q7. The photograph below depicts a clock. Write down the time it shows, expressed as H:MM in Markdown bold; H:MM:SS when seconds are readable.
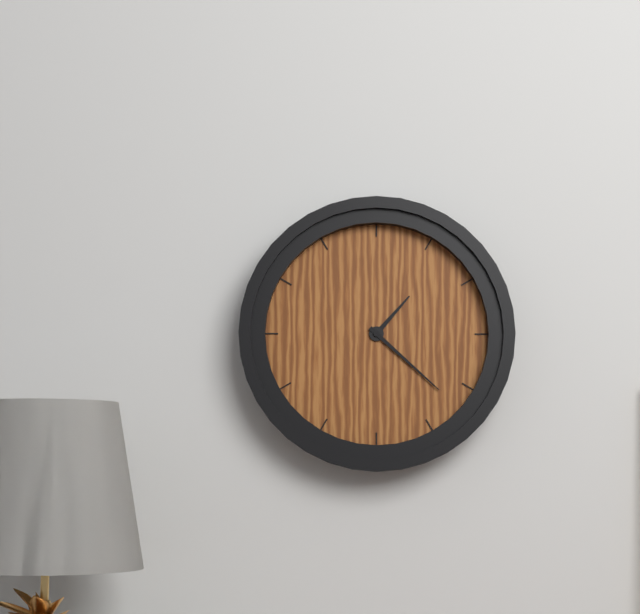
**1:22**
